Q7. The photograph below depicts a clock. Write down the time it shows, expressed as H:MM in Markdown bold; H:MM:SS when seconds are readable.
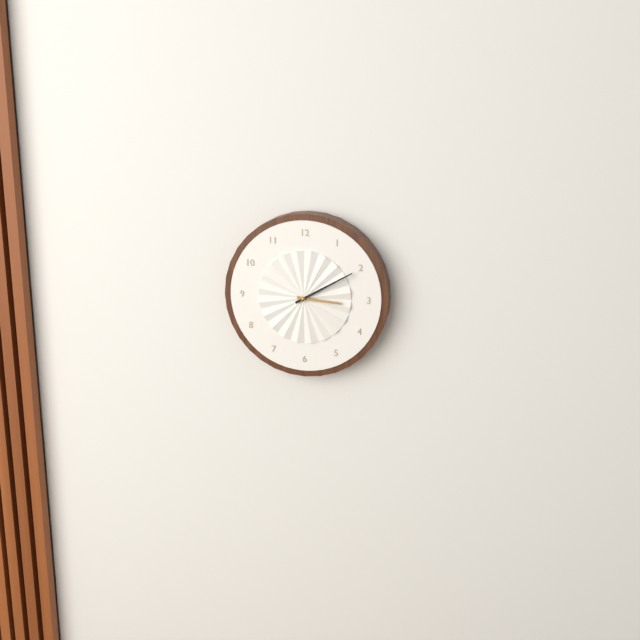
**3:10**
